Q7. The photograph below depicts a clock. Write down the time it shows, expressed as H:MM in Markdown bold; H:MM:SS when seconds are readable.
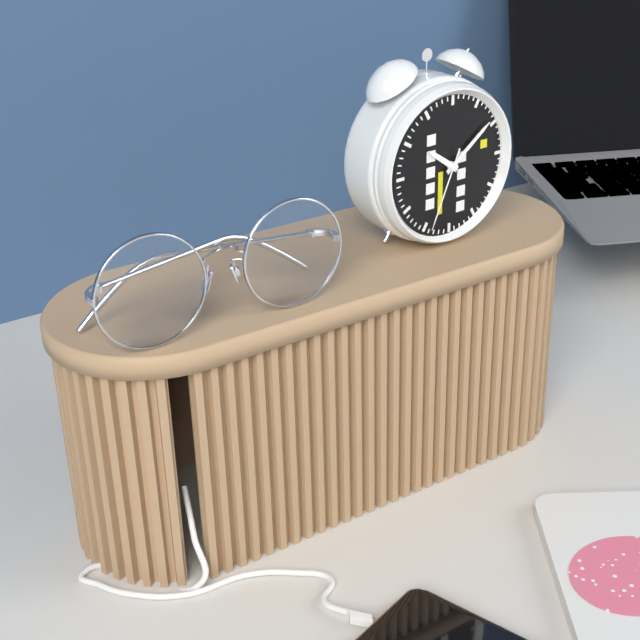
**10:09:34**
